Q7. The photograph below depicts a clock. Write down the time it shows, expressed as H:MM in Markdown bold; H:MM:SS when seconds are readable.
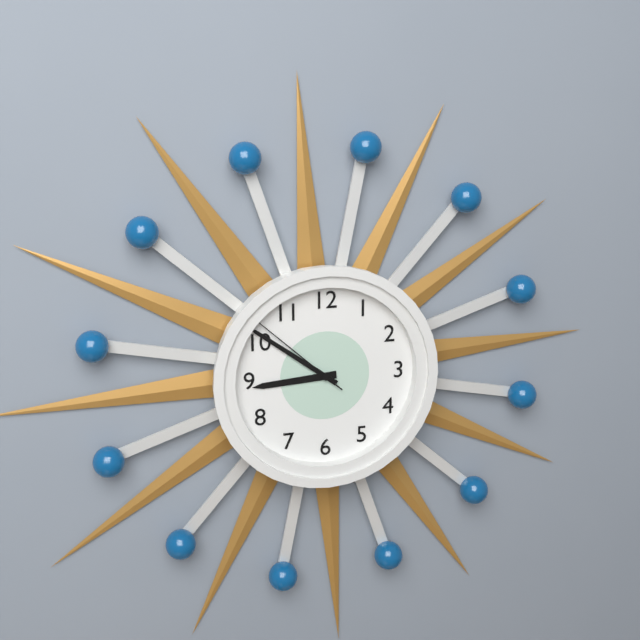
**8:51:52**
